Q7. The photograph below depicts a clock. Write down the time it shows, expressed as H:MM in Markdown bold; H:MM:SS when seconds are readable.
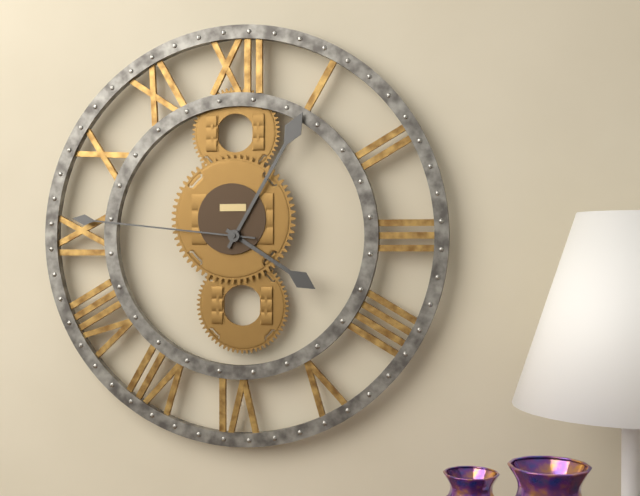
**4:05:46**
